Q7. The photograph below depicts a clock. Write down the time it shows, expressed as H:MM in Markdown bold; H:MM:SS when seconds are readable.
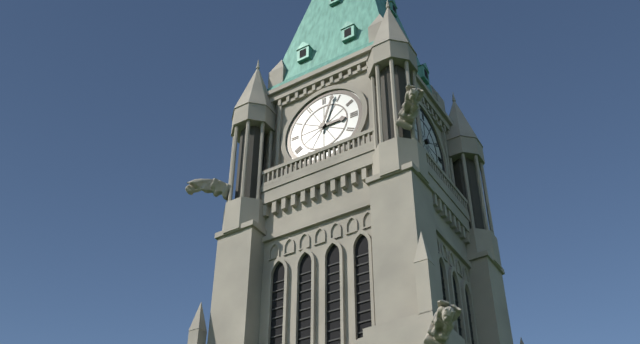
**3:03**
